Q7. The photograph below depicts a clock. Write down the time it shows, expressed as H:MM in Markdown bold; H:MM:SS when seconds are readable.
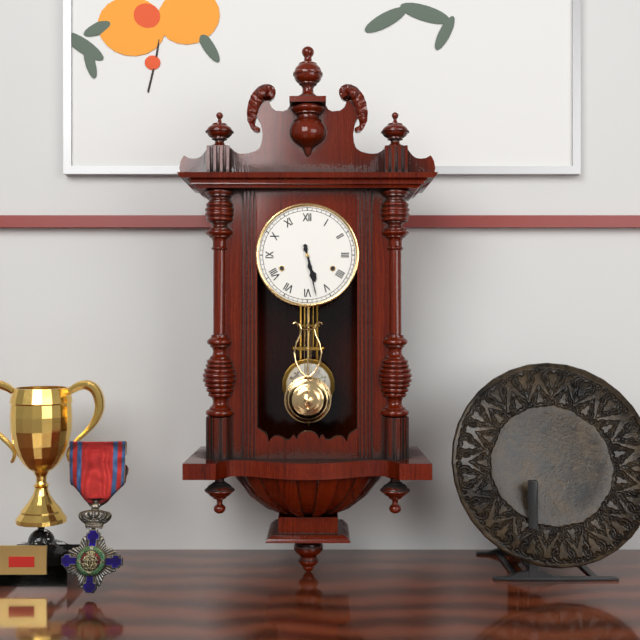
**5:28**
